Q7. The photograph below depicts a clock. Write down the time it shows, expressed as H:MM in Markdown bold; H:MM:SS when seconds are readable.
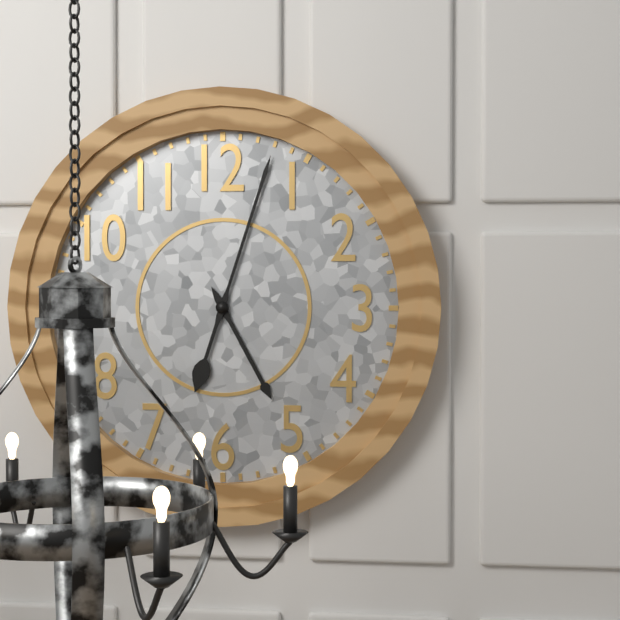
**5:03**
